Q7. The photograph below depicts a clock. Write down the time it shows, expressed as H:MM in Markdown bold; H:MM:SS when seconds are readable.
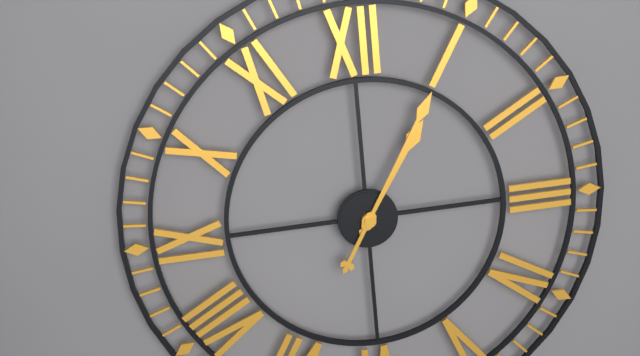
**1:05**
